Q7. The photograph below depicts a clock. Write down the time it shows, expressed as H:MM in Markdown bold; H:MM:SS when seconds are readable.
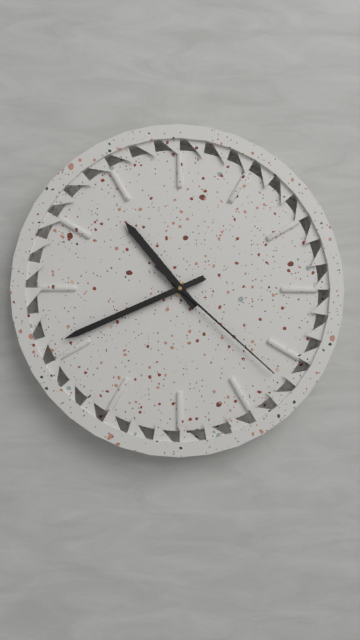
**10:41:22**
